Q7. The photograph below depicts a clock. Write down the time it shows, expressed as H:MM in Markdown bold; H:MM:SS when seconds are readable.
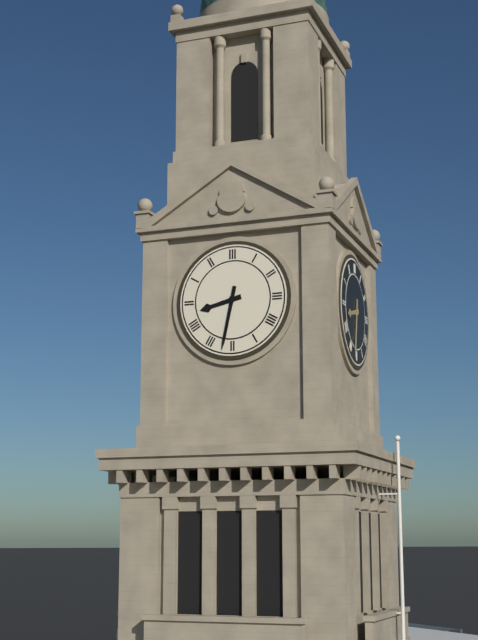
**8:32**
